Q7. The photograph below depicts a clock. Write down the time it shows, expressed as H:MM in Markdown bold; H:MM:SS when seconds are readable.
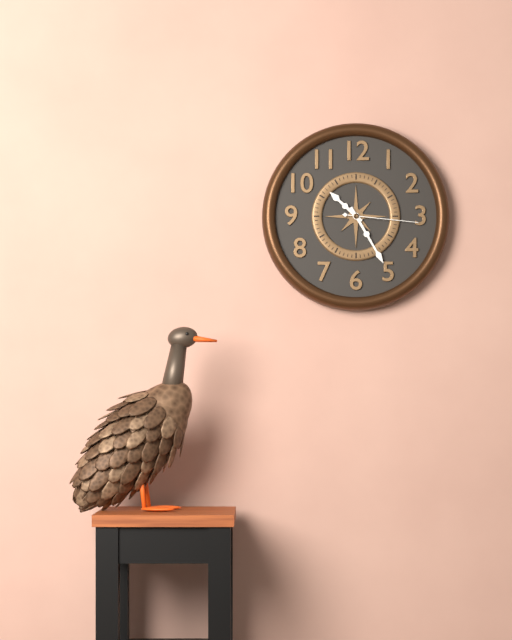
**10:25:16**
